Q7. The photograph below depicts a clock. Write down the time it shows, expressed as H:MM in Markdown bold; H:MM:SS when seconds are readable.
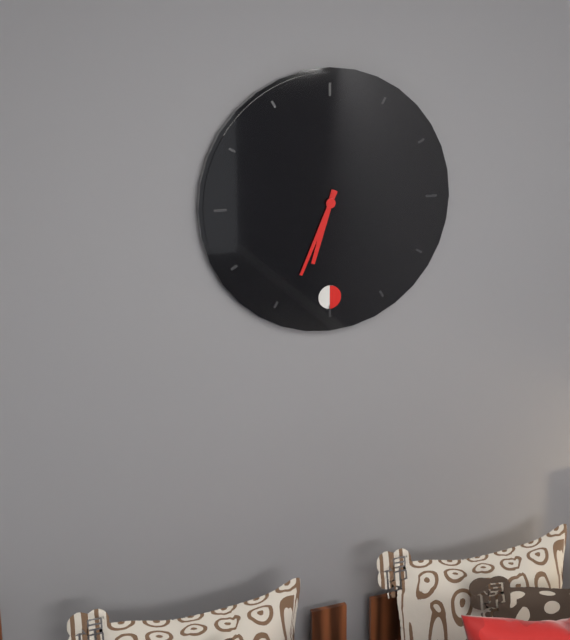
**6:34**
